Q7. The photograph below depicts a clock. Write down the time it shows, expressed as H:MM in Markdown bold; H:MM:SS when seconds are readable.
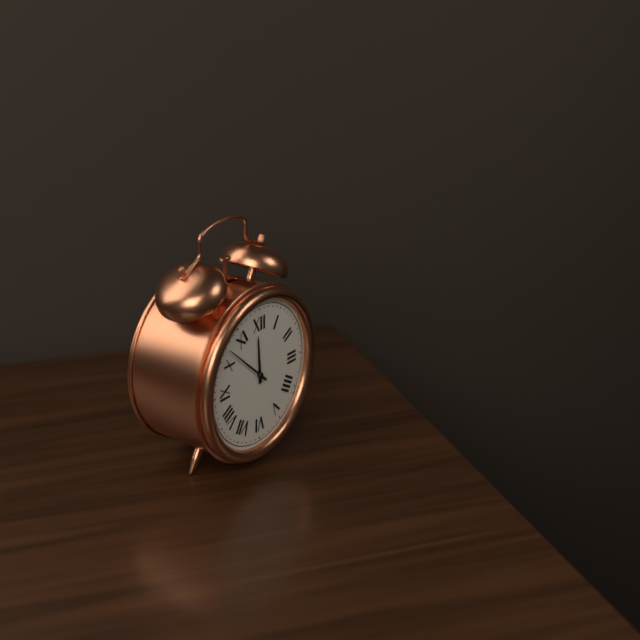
**11:52**
